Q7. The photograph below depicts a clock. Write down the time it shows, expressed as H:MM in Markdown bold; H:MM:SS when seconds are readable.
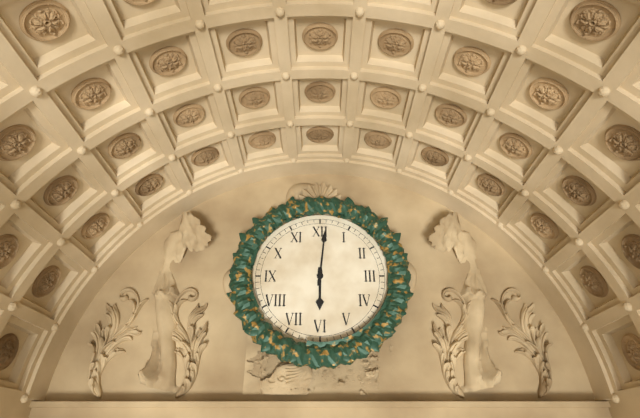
**6:01**
